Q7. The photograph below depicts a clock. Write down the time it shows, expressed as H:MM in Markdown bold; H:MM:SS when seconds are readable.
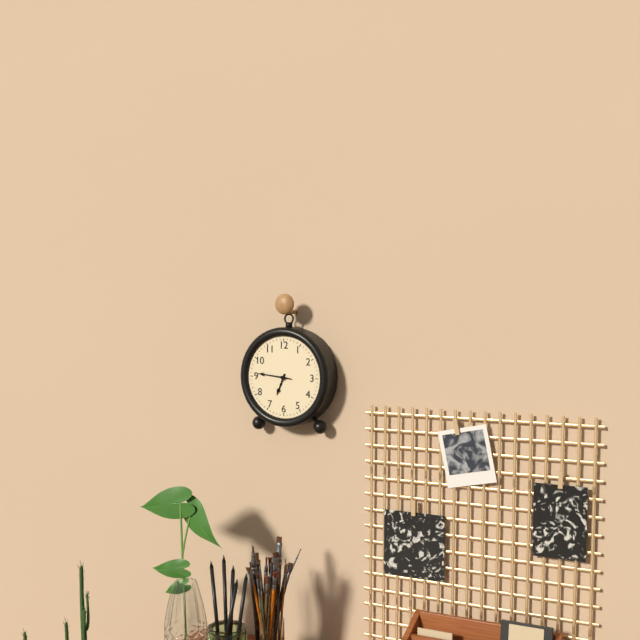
**6:46**
